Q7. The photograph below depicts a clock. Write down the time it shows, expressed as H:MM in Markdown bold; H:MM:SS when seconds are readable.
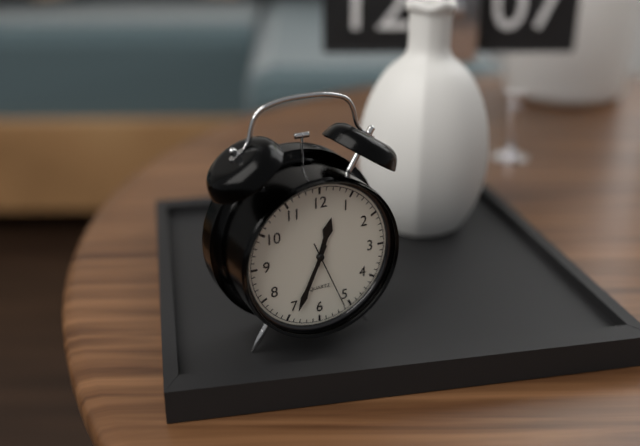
**12:34:26**
